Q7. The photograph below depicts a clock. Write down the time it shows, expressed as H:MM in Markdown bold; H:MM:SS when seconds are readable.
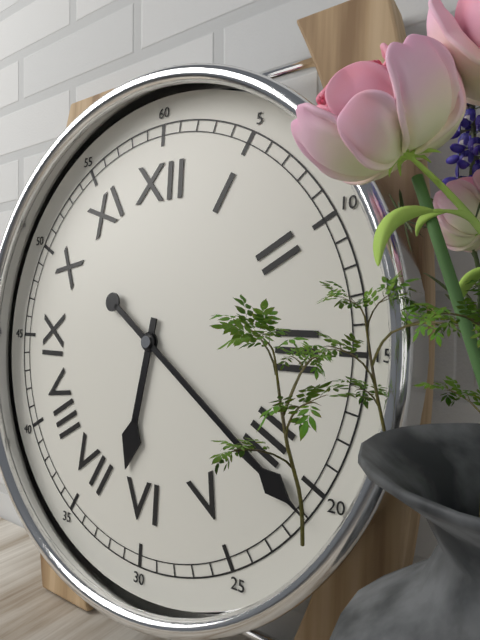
**6:21**
